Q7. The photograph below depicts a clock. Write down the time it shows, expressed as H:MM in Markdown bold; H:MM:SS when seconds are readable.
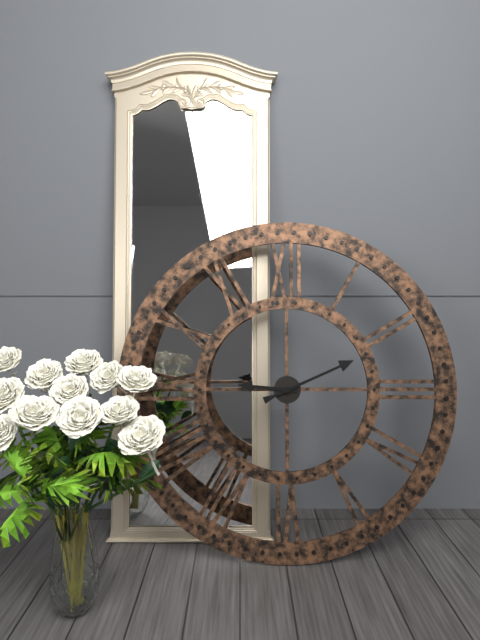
**9:11**
